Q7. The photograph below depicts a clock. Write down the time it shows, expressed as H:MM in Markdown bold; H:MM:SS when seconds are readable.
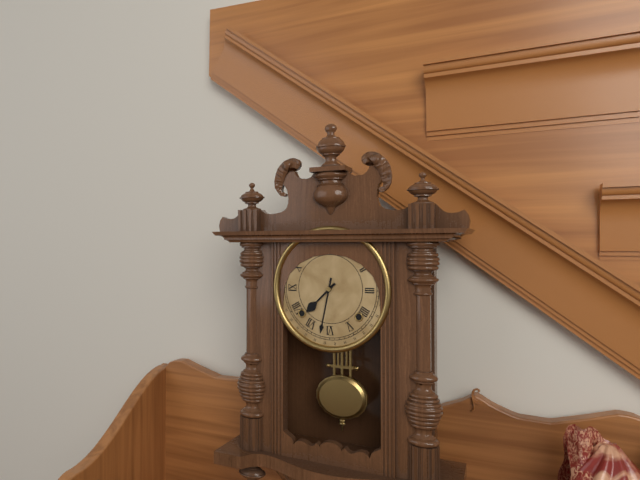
**7:32**
